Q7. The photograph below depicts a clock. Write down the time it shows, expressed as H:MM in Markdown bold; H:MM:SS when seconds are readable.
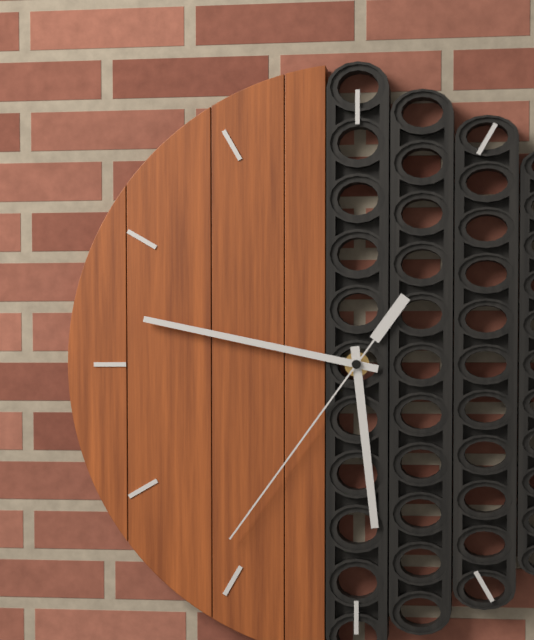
**5:47:36**
